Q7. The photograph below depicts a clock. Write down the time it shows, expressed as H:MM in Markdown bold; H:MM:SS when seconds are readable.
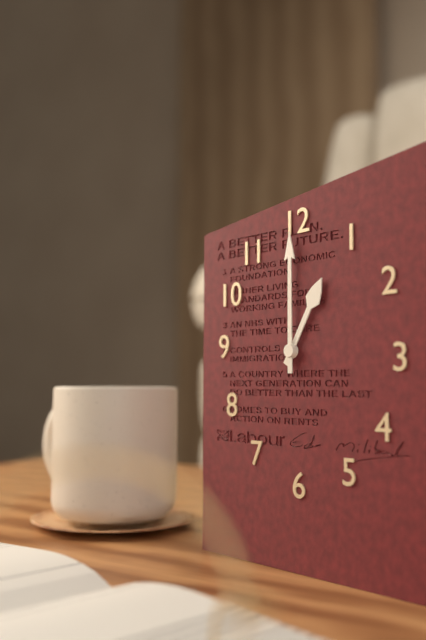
**1:00**
